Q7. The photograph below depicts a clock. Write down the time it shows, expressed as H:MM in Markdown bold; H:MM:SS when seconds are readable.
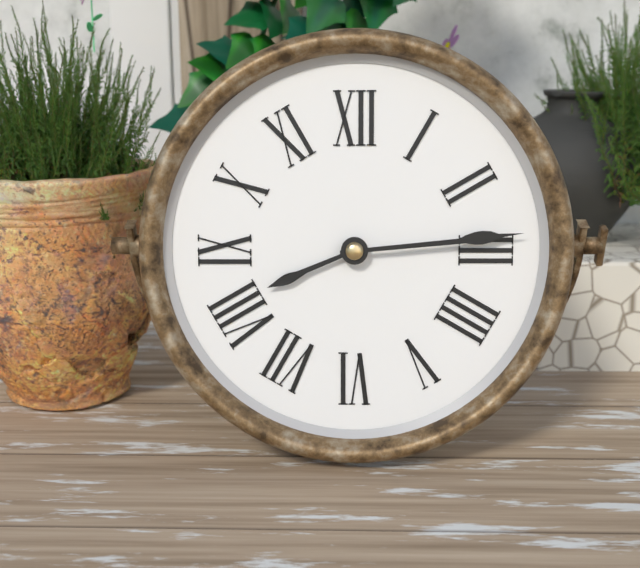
**8:14**
